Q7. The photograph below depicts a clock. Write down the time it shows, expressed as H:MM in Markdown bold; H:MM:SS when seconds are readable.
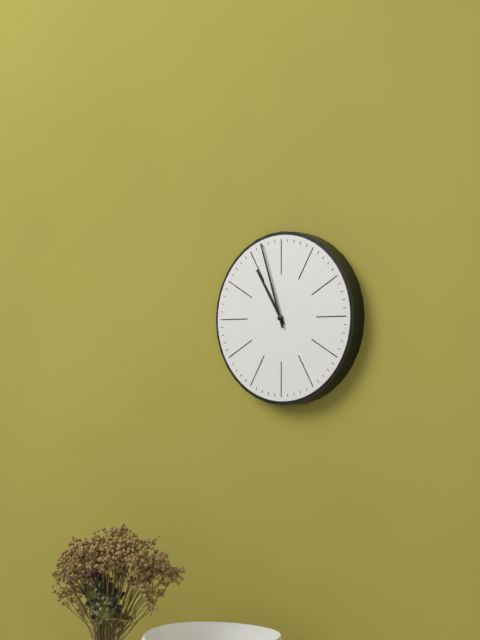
**10:57**
